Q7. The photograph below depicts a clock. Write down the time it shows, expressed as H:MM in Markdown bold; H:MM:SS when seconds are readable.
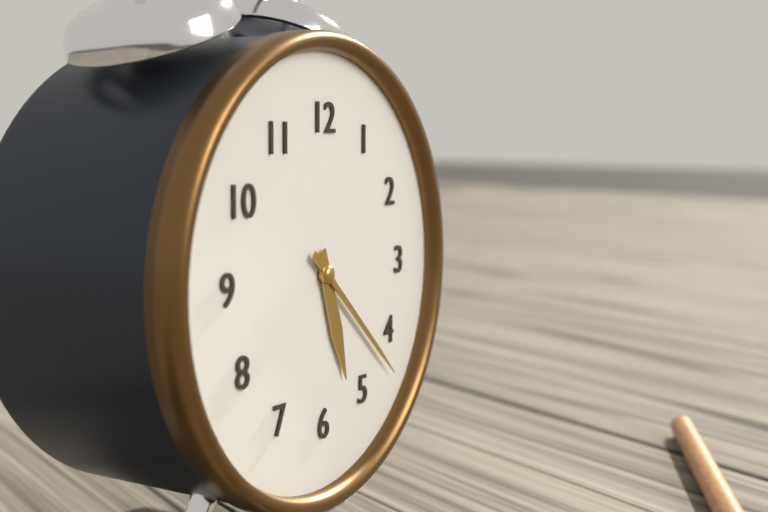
**5:22**
